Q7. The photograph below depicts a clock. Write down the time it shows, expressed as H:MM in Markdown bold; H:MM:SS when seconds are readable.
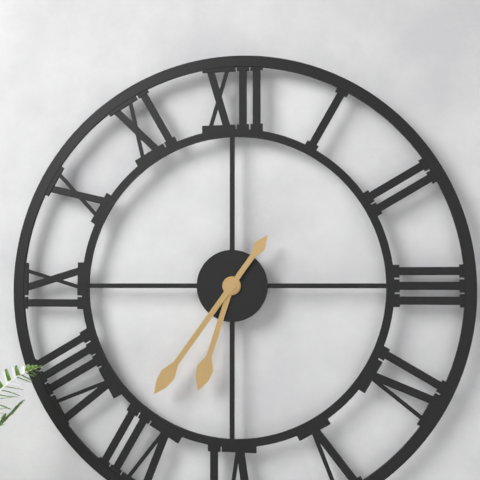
**6:36**
